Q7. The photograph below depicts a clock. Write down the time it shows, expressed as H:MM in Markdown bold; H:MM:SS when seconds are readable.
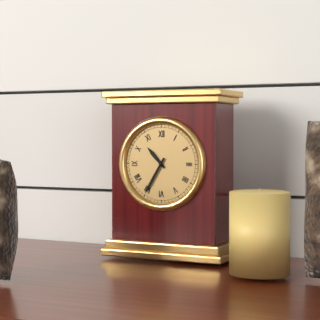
**10:35**
